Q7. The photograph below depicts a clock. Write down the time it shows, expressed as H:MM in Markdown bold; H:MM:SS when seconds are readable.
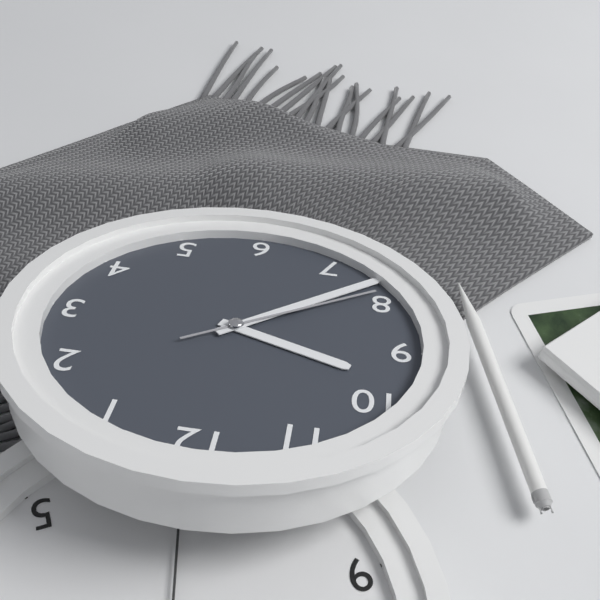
**9:38:39**
